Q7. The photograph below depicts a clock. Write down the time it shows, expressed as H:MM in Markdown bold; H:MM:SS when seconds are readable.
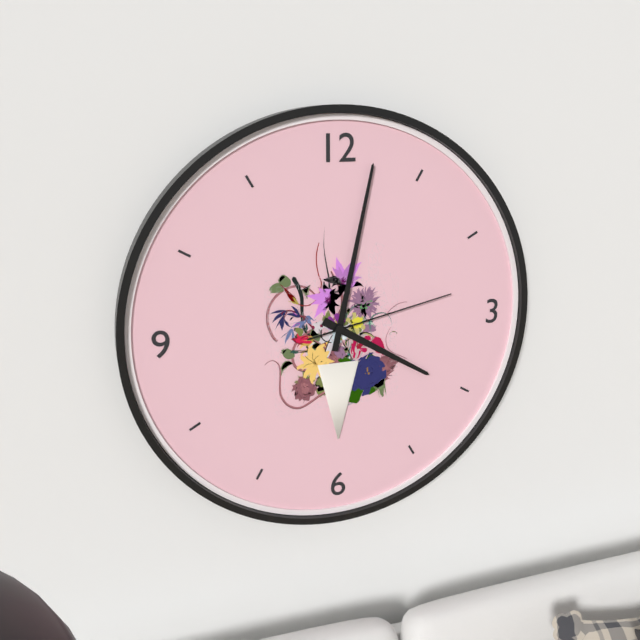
**4:02:13**
